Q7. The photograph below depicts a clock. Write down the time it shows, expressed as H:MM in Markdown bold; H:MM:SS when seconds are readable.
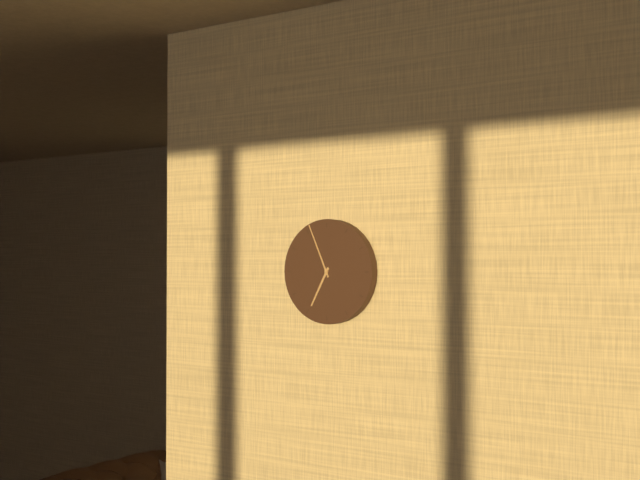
**6:56**
